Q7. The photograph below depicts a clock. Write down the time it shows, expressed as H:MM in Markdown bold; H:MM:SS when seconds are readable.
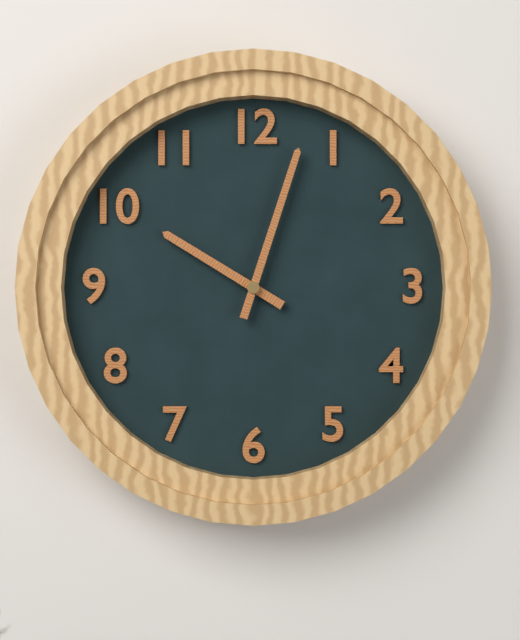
**10:03**
